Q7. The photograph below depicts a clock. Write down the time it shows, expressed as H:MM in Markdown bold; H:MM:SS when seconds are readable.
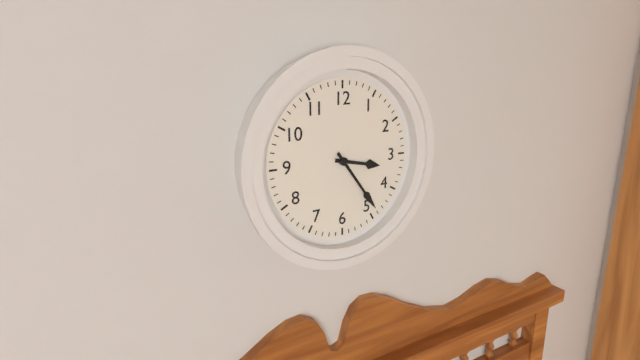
**3:24**
